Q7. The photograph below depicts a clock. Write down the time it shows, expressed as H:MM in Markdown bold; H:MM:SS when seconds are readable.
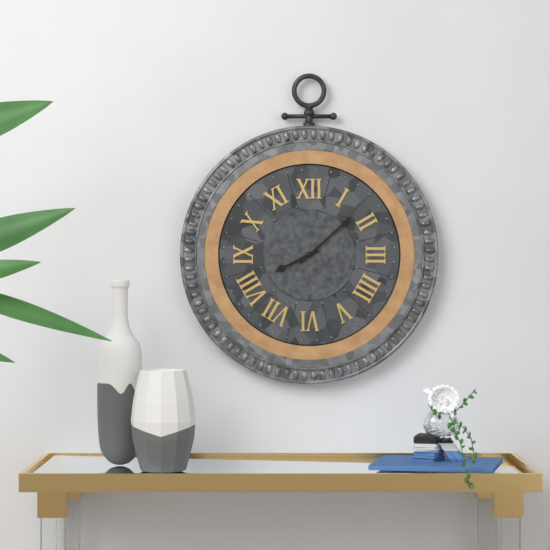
**8:08**
